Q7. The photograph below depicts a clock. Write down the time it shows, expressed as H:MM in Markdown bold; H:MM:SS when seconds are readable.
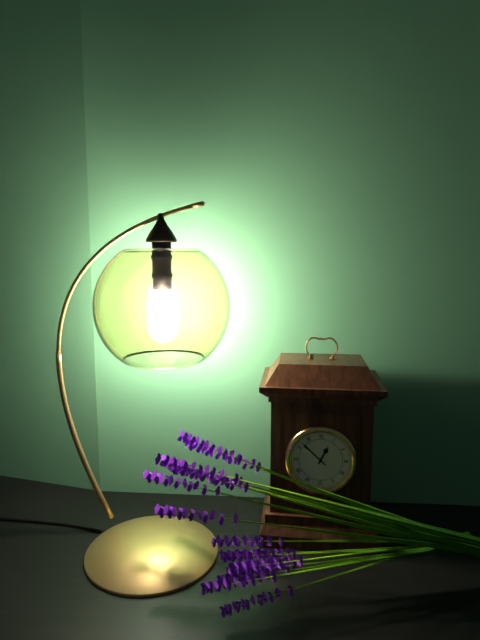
**12:52**
